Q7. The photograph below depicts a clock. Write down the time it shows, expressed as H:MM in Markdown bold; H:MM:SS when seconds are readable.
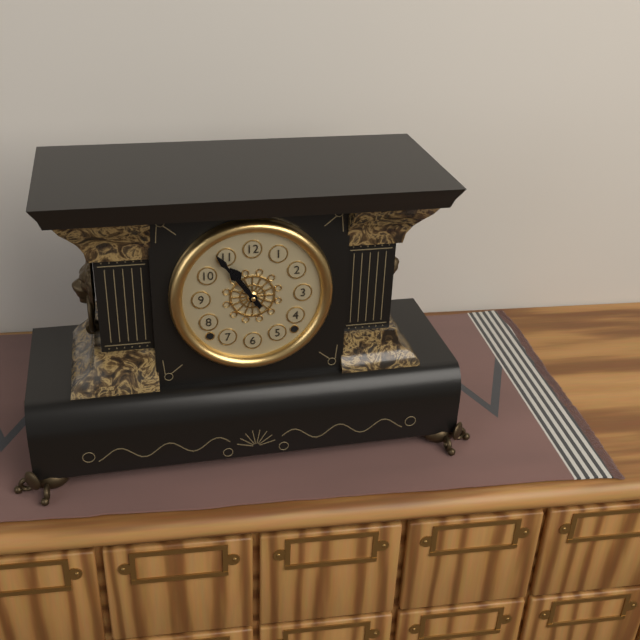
**10:54**
